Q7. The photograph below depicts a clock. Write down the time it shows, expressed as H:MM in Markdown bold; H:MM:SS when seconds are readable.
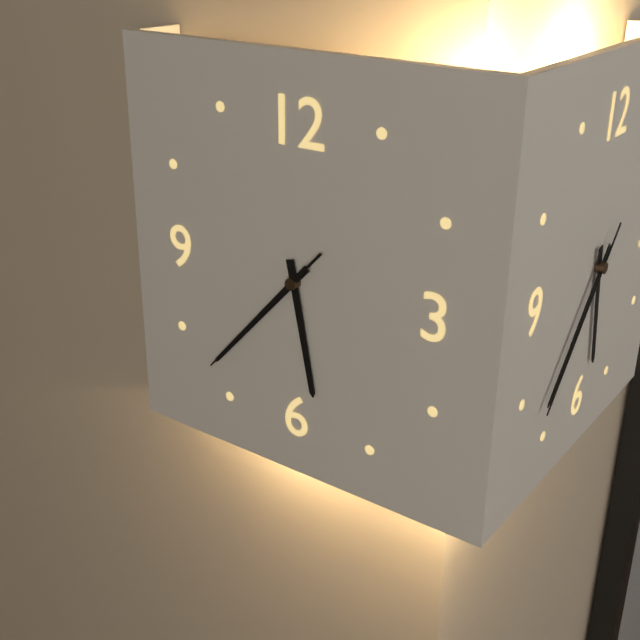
**5:37:37**
